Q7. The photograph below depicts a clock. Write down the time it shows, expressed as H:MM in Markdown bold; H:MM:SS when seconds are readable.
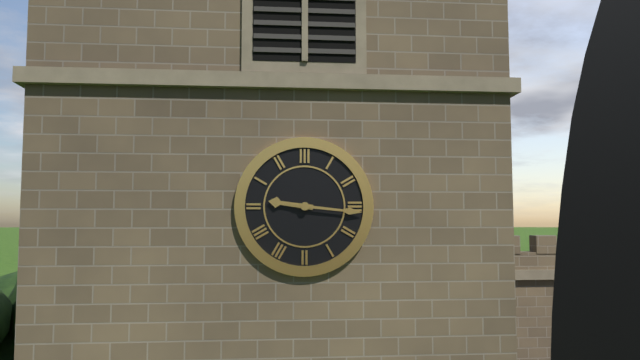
**9:16**
